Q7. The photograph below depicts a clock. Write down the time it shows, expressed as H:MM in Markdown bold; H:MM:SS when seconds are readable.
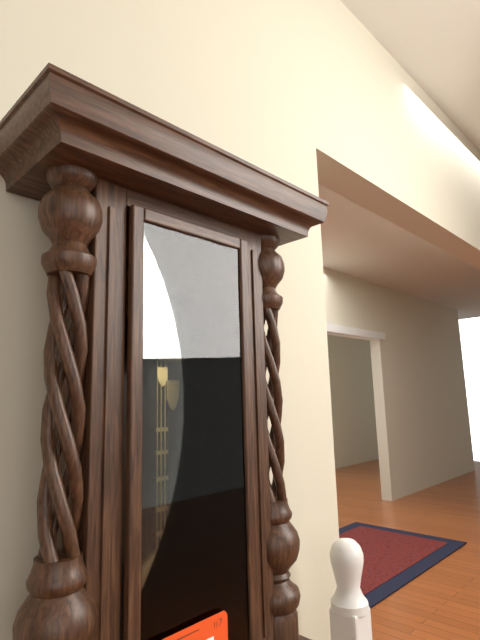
**3:11**
